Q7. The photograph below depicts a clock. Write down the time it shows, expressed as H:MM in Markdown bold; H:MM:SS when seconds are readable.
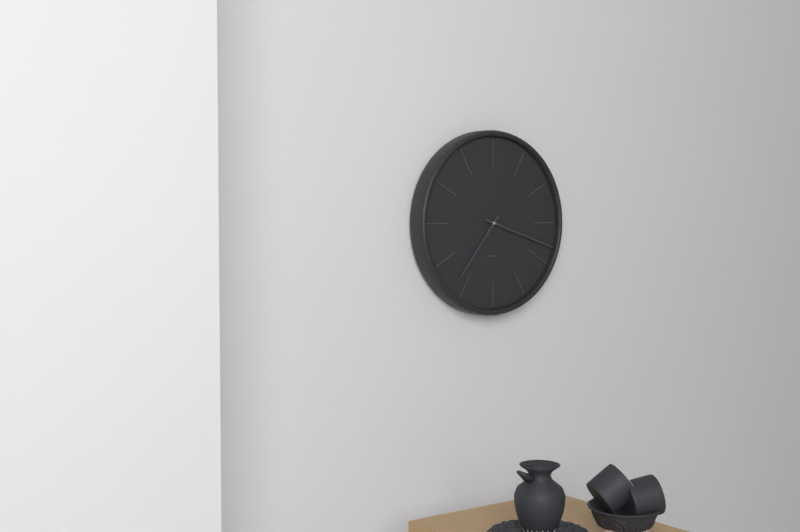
**7:18**
